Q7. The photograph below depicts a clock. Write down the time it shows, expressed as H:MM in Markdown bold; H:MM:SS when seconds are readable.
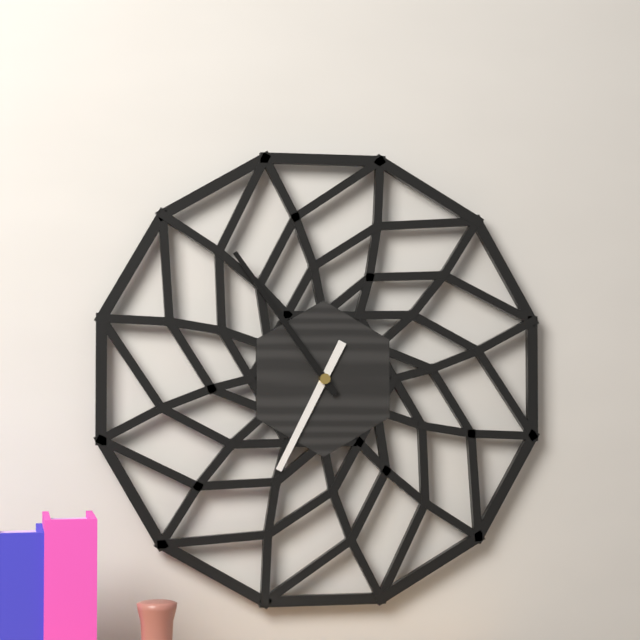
**6:54**
